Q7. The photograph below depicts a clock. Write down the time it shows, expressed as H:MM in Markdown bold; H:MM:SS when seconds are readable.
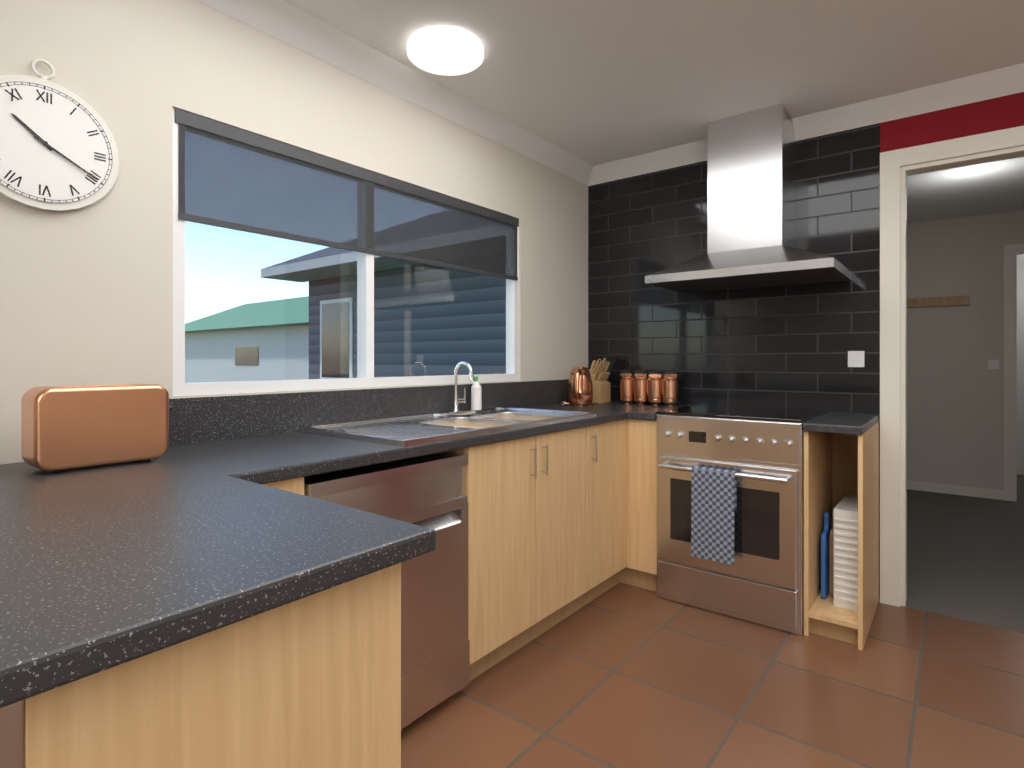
**10:20**
